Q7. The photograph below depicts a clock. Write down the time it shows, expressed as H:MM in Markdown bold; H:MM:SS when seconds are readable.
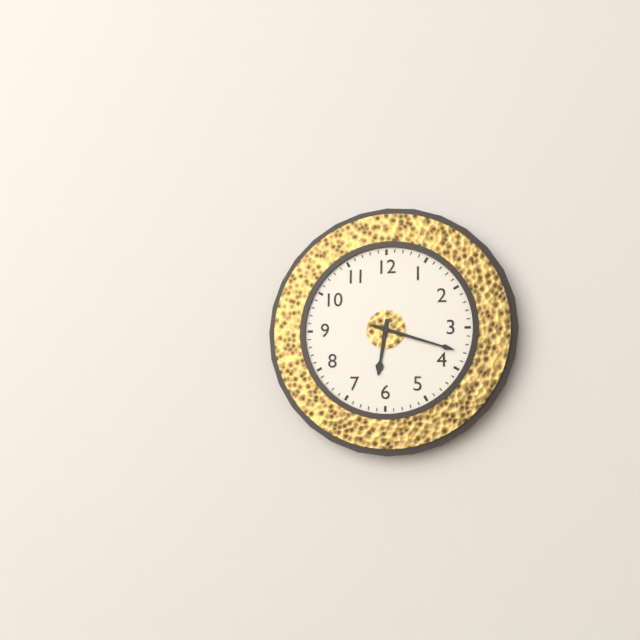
**6:18**
